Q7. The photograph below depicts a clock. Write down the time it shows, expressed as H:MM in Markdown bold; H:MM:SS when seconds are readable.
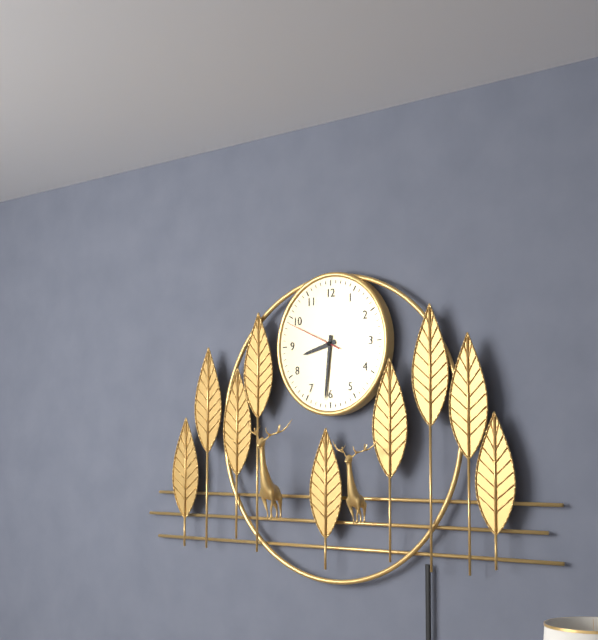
**8:31:49**
